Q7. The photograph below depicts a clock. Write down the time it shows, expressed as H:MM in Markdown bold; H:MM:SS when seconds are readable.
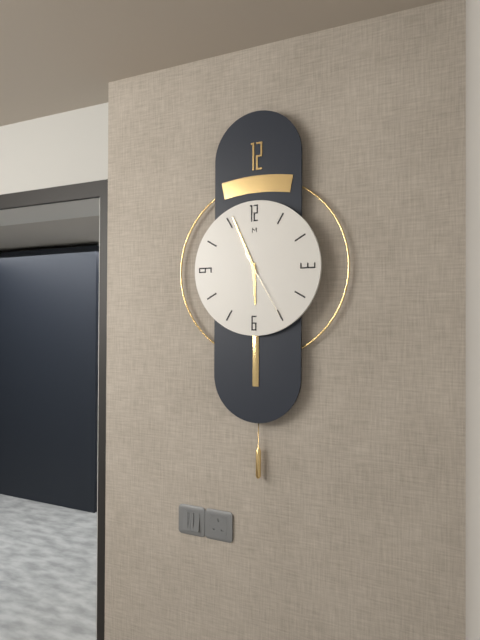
**5:56:25**
